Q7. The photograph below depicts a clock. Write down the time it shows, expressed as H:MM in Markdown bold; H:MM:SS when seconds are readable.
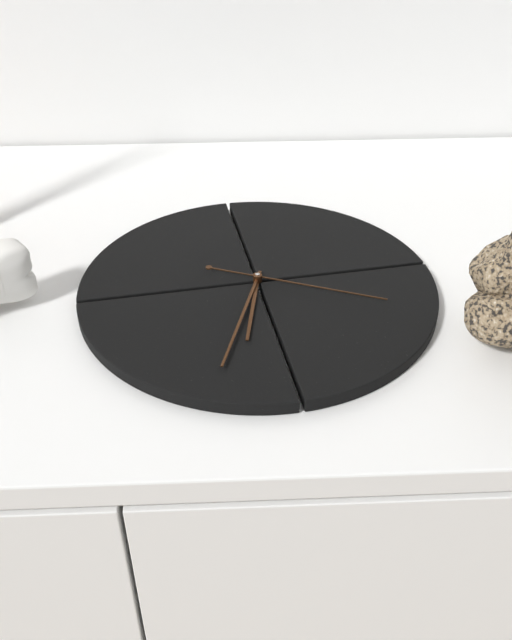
**6:34:20**
